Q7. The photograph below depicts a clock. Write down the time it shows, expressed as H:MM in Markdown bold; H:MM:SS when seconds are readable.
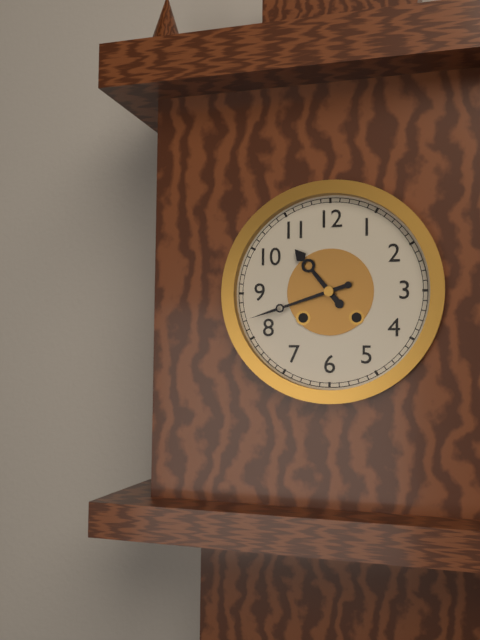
**10:42**
